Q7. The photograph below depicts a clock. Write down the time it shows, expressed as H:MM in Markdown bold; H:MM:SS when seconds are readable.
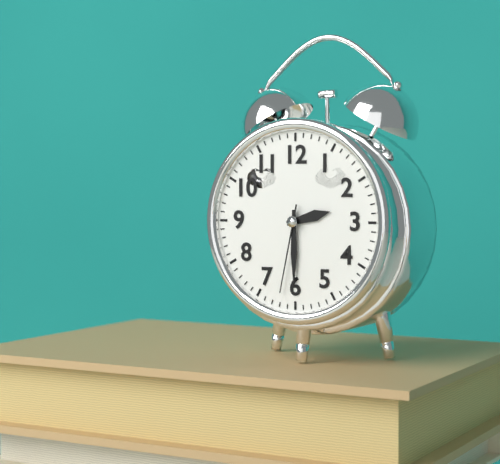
**2:30:32**
